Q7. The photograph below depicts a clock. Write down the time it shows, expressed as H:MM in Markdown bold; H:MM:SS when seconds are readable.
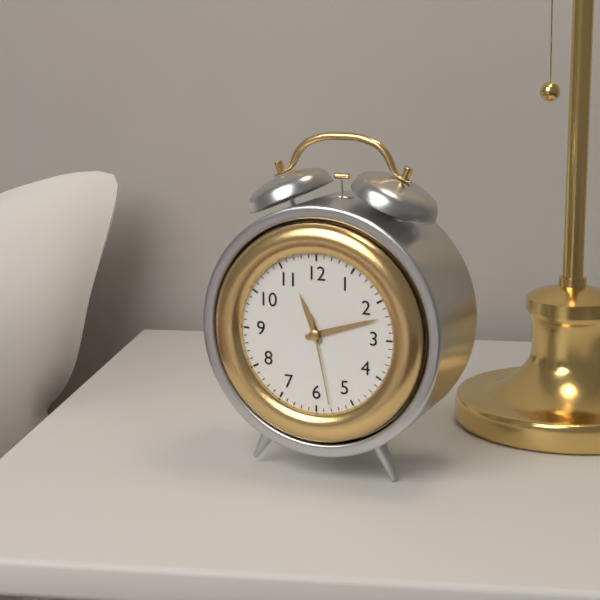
**11:12:28**
